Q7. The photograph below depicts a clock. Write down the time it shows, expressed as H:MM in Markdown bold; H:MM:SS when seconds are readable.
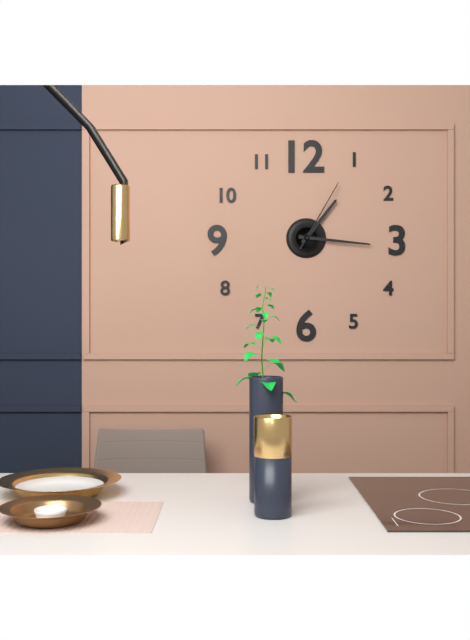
**1:16:05**
